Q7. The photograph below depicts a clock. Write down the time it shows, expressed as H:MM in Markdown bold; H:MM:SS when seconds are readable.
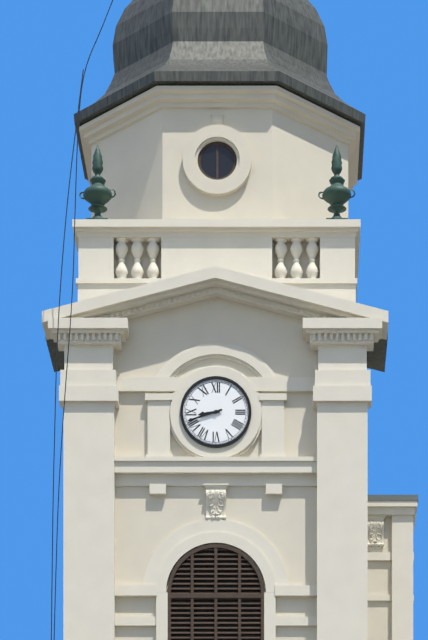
**8:42**
